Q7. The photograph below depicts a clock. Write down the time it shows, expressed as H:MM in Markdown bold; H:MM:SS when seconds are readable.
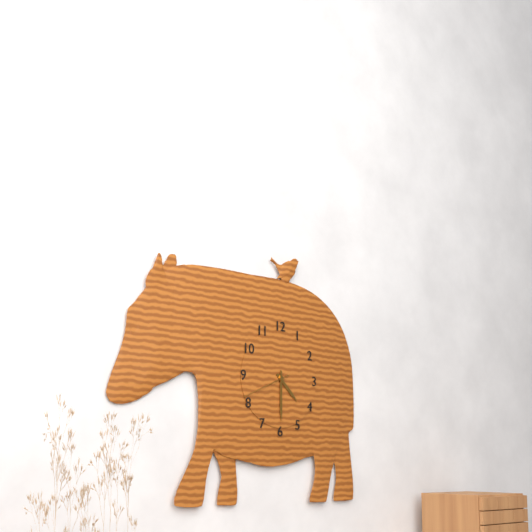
**4:30:41**
